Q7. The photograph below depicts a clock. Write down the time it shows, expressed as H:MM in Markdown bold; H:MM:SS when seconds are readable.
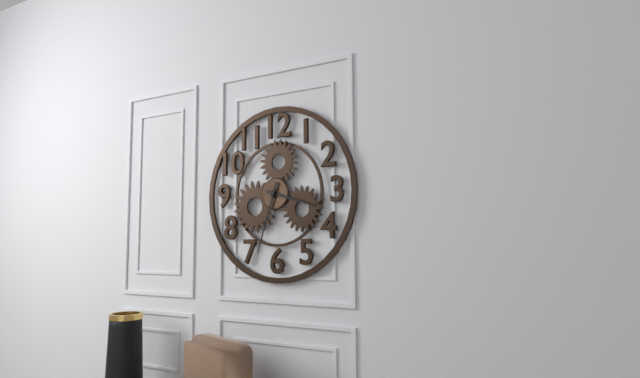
**3:33**
